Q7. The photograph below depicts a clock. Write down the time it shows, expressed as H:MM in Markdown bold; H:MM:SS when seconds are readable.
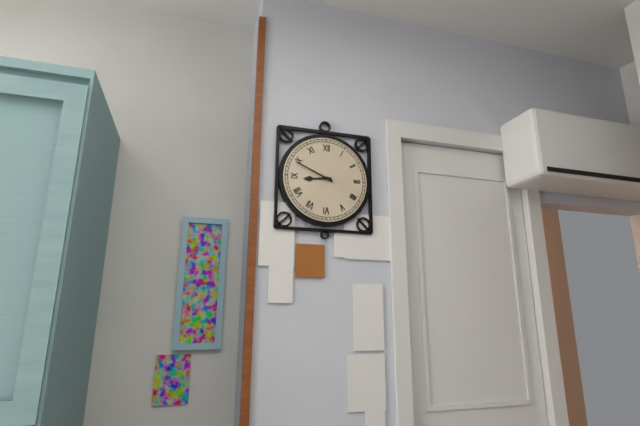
**8:49**
